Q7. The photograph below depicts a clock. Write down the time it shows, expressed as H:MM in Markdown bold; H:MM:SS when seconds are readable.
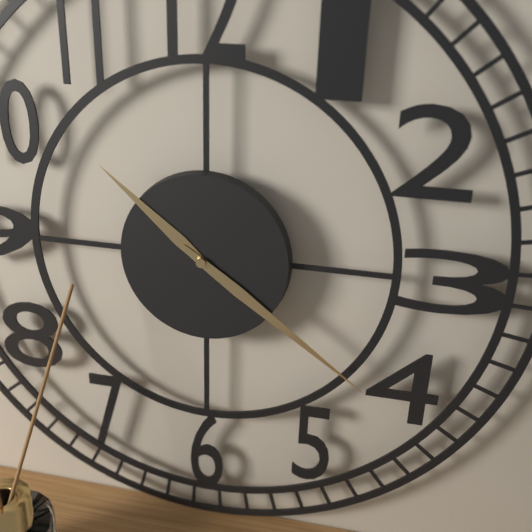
**10:21**
